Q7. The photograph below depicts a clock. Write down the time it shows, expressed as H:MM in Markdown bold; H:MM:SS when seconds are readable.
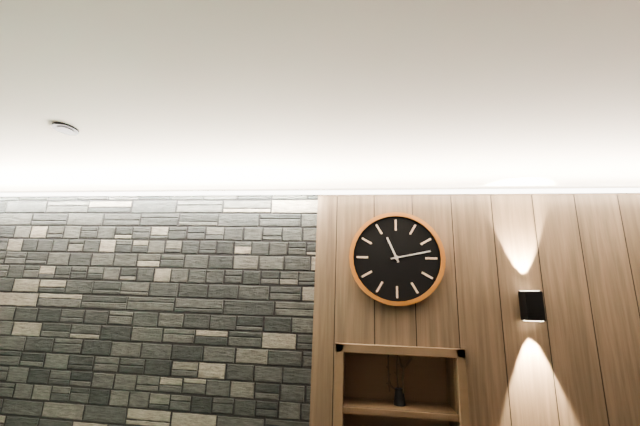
**11:13**
